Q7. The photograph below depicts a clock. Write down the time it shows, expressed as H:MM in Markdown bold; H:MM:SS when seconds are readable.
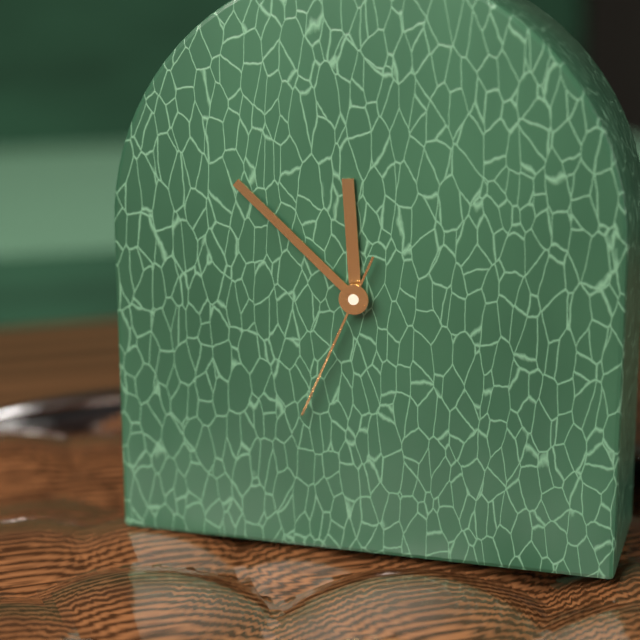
**11:52:34**
